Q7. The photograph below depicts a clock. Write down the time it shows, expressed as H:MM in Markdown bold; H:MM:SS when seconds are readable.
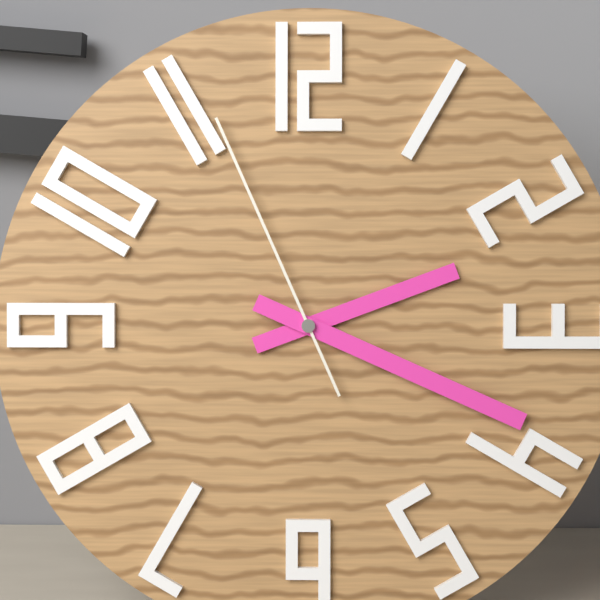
**2:19:56**
